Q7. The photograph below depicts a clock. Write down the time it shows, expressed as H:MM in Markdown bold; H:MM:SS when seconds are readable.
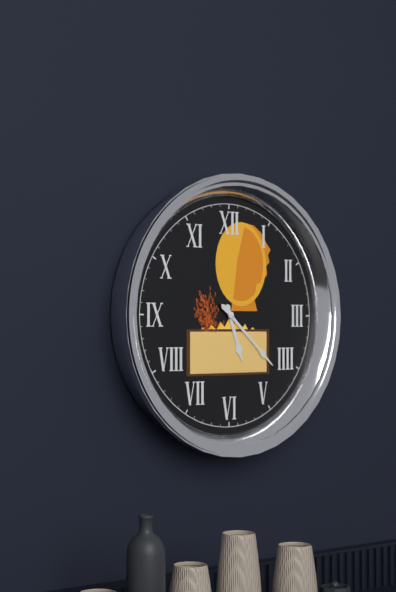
**5:22**
